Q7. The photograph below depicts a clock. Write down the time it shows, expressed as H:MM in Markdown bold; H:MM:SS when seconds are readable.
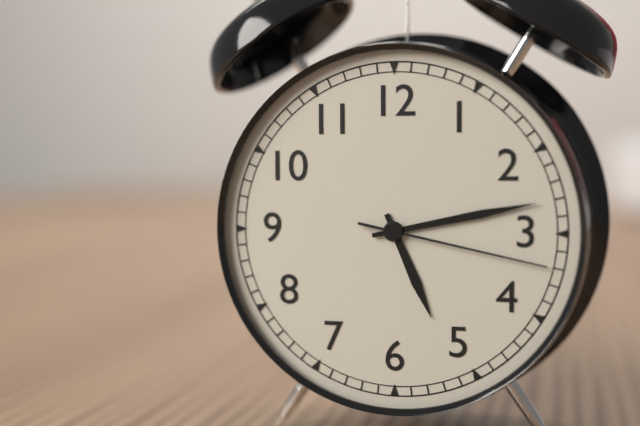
**5:13:17**
